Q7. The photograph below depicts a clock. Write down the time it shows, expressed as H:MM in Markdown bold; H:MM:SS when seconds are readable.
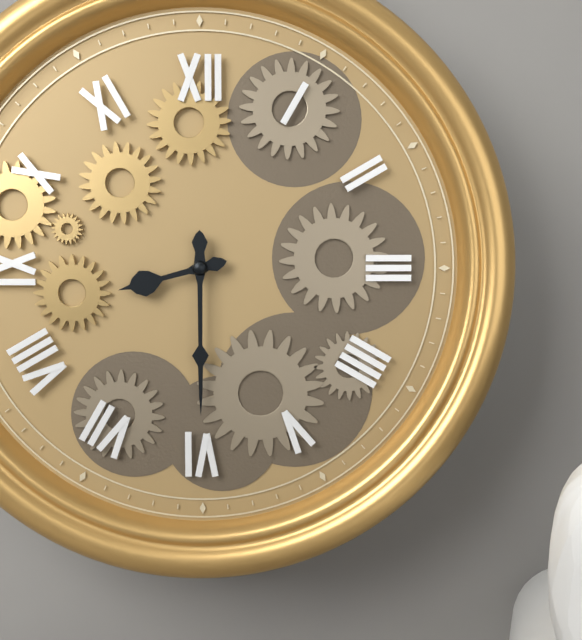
**8:30**
